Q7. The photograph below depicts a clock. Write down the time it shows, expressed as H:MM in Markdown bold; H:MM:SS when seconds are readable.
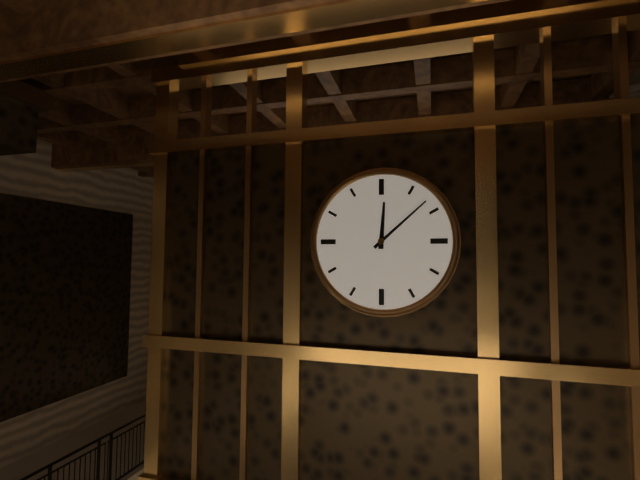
**12:08**
